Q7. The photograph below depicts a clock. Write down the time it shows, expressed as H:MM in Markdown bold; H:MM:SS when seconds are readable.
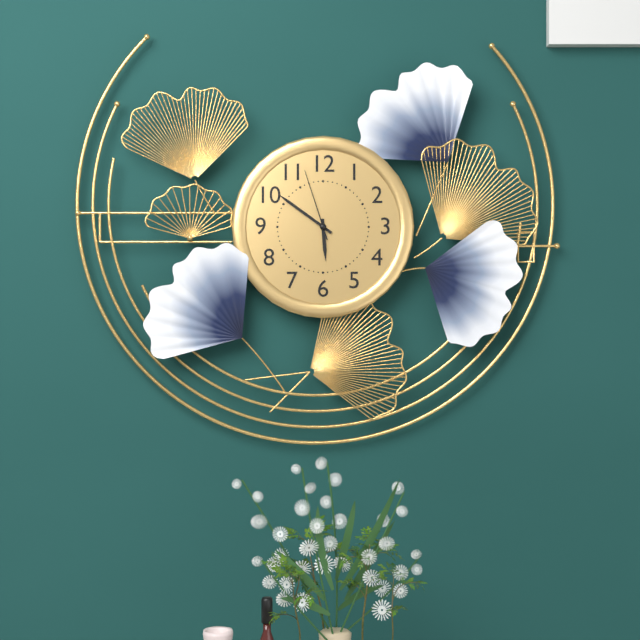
**5:51:57**
